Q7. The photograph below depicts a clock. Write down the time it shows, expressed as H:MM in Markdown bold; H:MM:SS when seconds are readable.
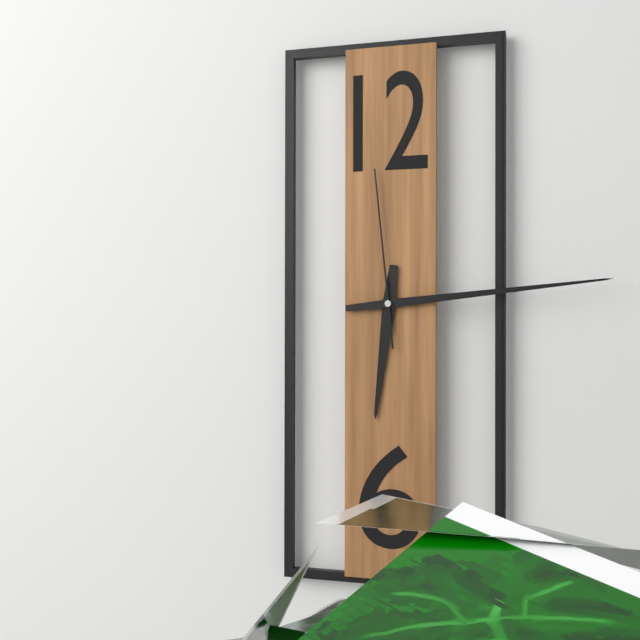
**6:14:59**
